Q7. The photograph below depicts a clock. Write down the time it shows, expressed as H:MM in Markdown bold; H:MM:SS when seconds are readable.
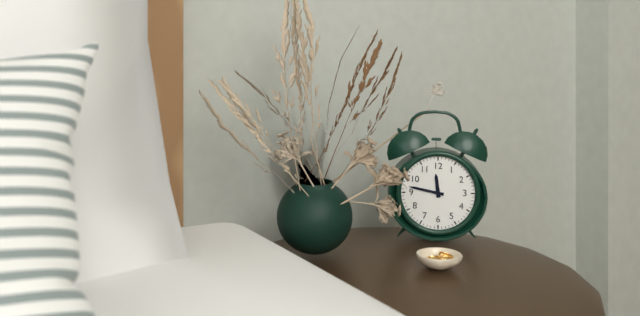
**11:47**
